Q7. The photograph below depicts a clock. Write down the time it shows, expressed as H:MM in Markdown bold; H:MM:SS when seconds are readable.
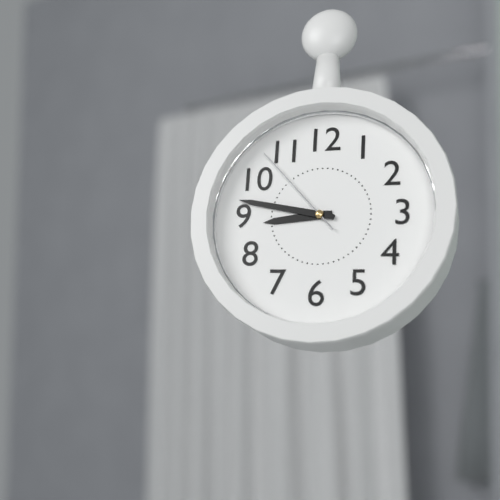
**8:47:53**
